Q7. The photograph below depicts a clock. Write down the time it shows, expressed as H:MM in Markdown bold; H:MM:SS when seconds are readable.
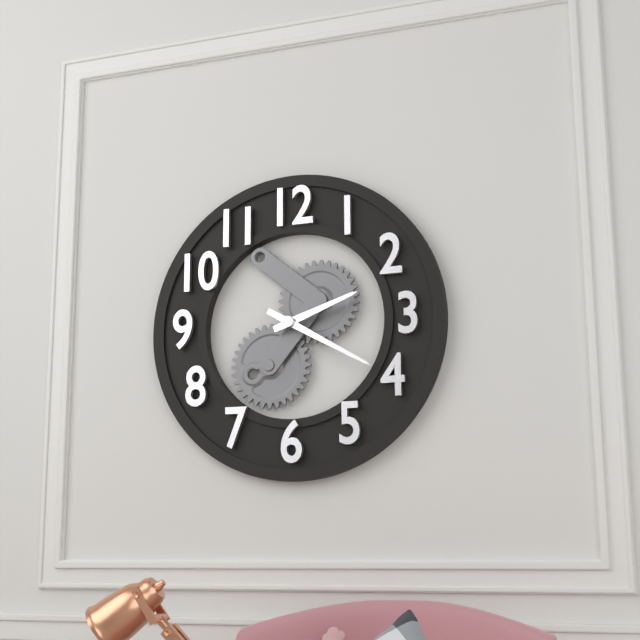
**2:20**
